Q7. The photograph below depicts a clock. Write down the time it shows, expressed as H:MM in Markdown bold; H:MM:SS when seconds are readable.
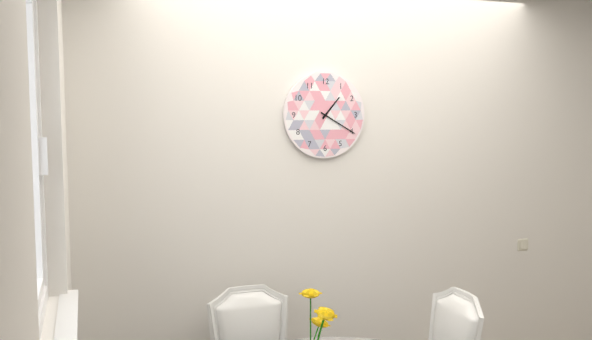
**1:20**
